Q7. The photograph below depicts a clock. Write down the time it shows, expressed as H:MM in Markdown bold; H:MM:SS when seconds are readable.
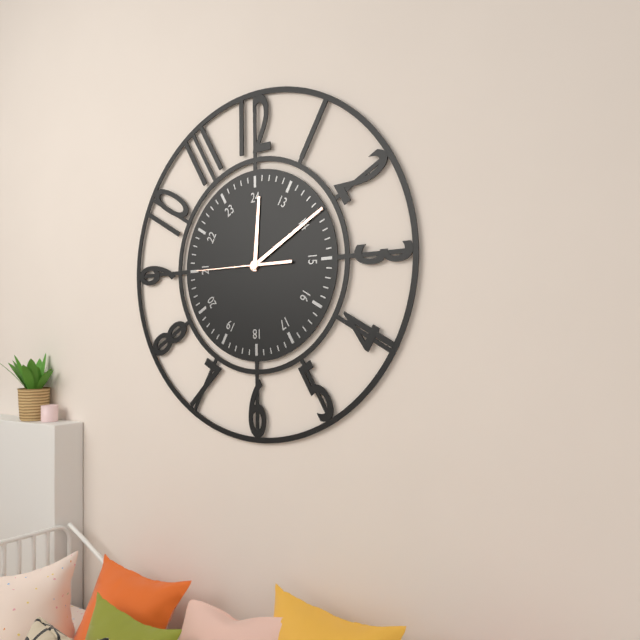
**12:10:45**
